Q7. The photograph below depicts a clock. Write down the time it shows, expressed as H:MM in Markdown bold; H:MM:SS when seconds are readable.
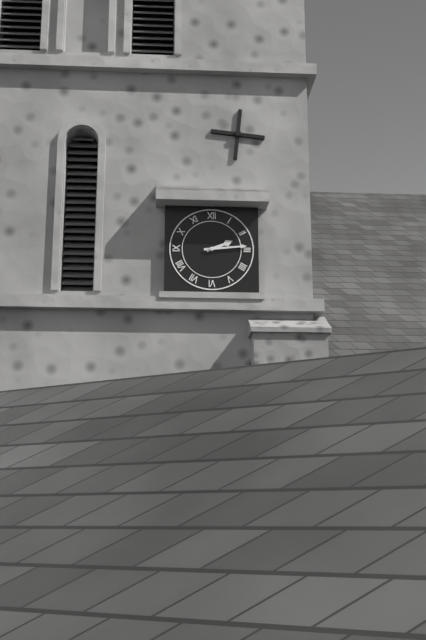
**2:14**
